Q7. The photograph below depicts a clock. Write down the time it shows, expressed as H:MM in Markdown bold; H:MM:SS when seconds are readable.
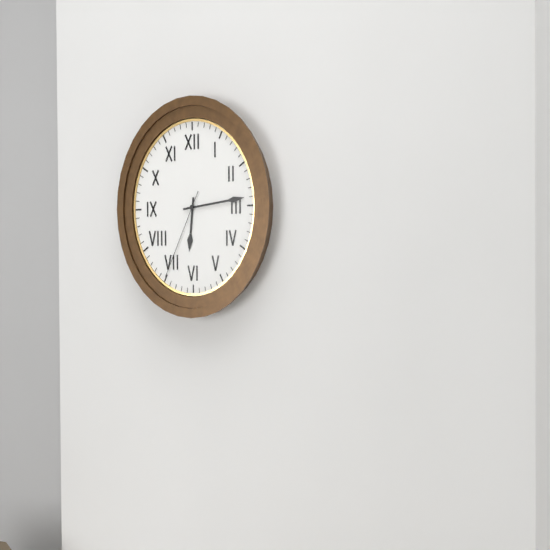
**6:14:35**
